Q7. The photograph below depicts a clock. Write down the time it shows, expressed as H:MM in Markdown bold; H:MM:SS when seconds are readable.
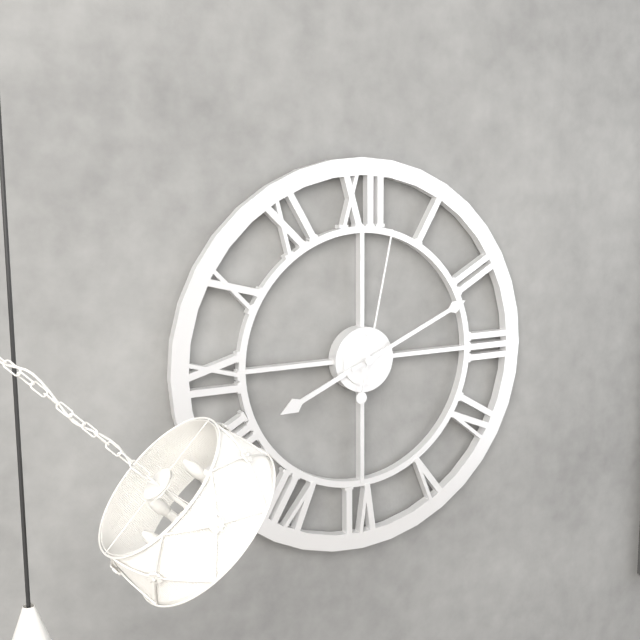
**8:11:02**
